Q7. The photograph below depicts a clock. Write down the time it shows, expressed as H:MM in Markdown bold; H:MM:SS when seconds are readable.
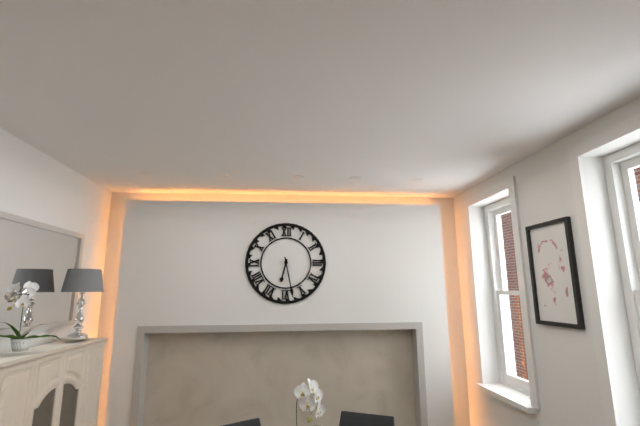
**6:28**
